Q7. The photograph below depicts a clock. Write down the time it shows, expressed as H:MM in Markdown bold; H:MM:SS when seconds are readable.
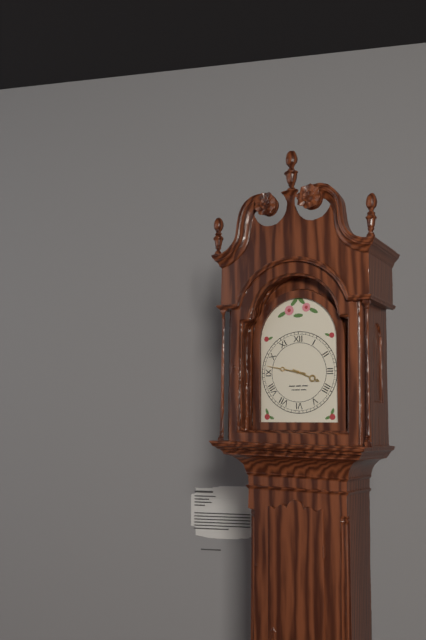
**3:47**
